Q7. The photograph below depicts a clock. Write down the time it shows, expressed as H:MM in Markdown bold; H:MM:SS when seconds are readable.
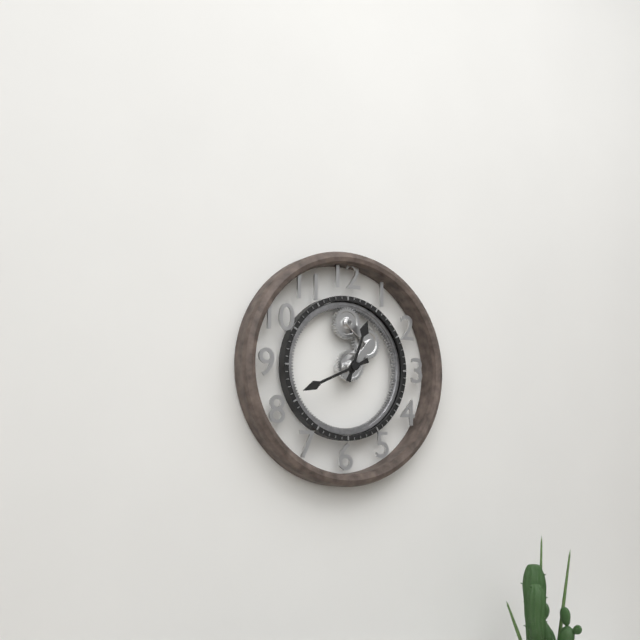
**12:41**
